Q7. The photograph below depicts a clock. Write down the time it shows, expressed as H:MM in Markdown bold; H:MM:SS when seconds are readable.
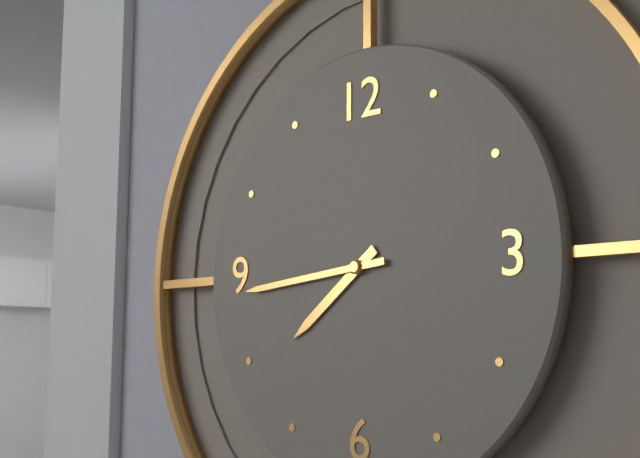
**7:44**
